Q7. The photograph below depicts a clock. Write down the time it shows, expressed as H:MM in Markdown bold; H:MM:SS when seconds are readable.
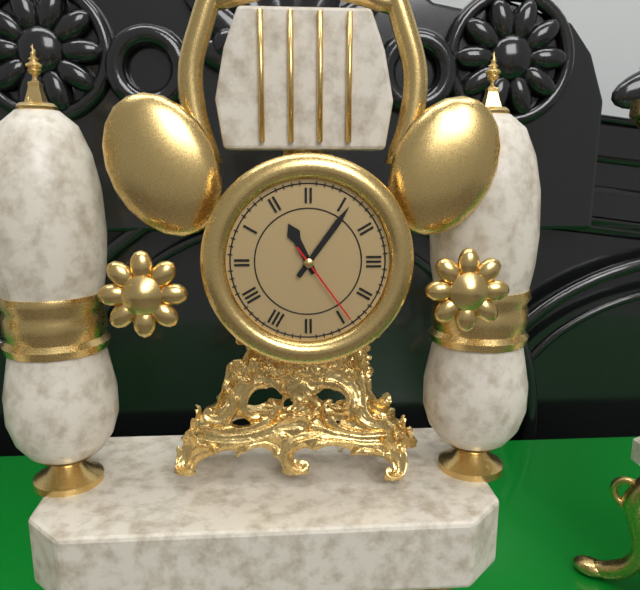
**11:06:24**
